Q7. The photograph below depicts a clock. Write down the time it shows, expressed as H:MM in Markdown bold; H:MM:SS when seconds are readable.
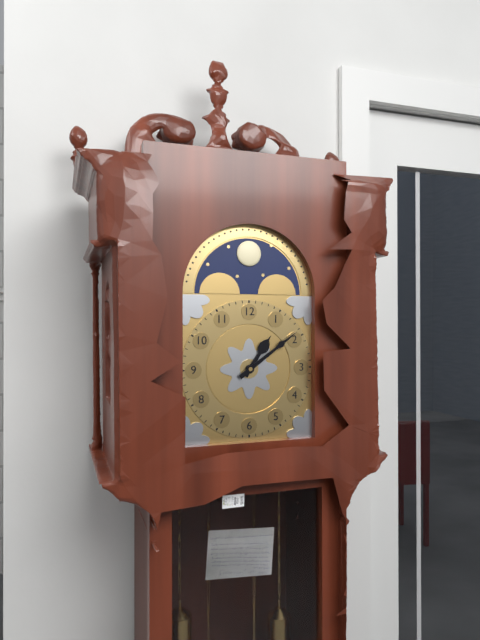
**1:09**
